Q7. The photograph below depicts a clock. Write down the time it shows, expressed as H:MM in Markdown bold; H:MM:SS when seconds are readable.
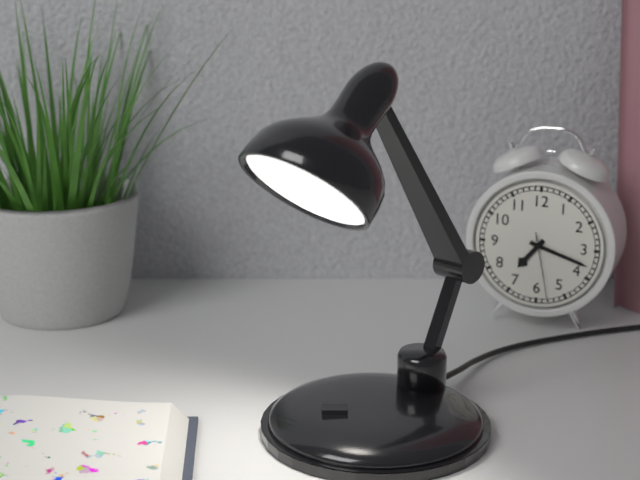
**7:18:28**
